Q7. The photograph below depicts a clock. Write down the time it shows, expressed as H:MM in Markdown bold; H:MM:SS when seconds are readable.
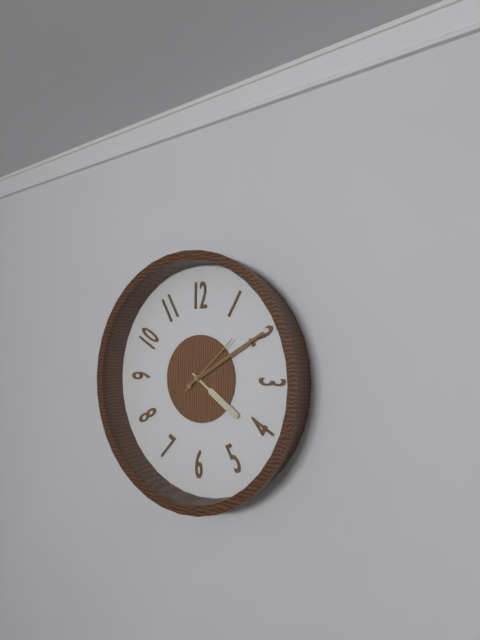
**4:10:08**
